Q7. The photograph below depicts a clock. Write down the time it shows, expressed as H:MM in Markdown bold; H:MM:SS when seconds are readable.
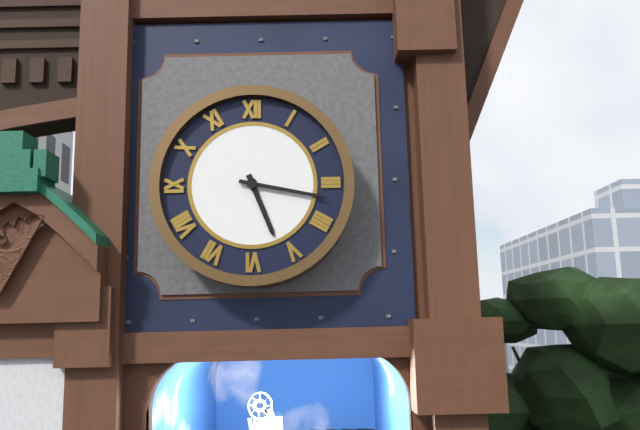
**5:17**
